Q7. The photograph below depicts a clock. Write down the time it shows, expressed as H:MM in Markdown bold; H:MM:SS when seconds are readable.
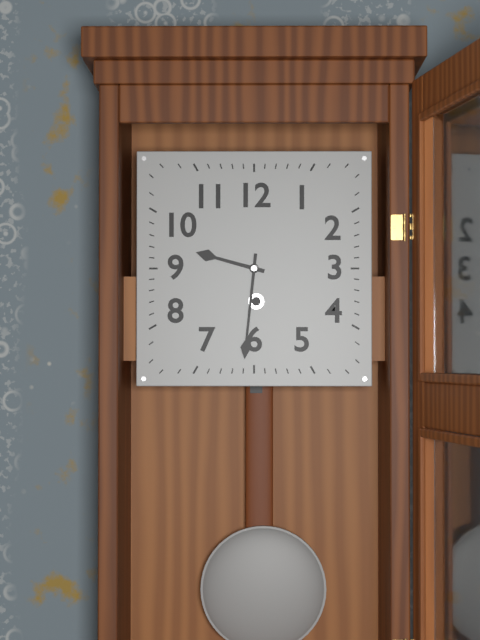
**9:31**
